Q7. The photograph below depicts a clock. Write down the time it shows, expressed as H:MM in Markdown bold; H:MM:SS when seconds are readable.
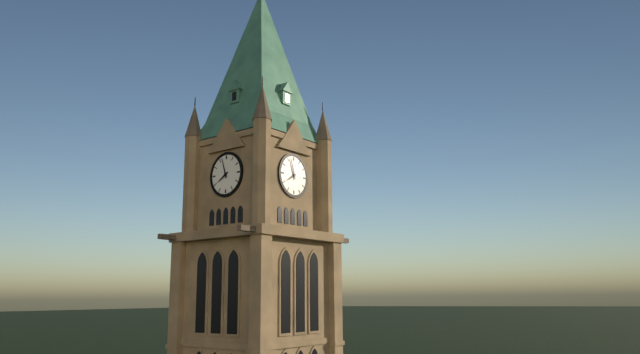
**7:57**
